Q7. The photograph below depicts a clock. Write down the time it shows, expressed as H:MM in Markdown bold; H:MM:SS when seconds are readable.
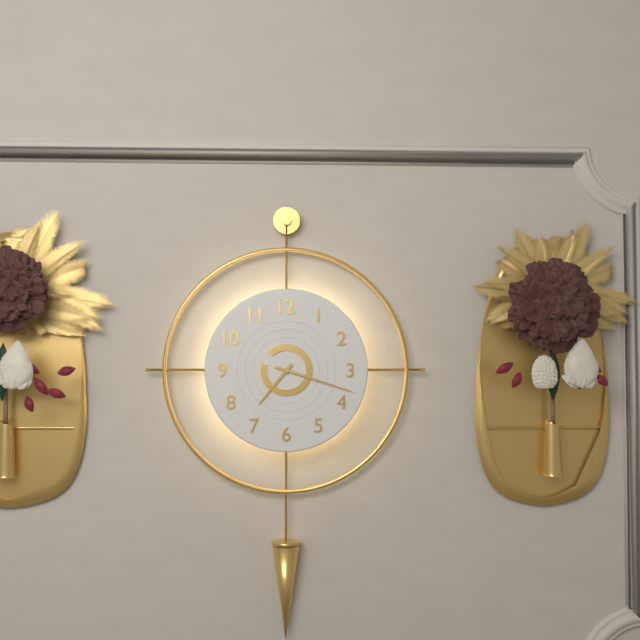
**7:18**
